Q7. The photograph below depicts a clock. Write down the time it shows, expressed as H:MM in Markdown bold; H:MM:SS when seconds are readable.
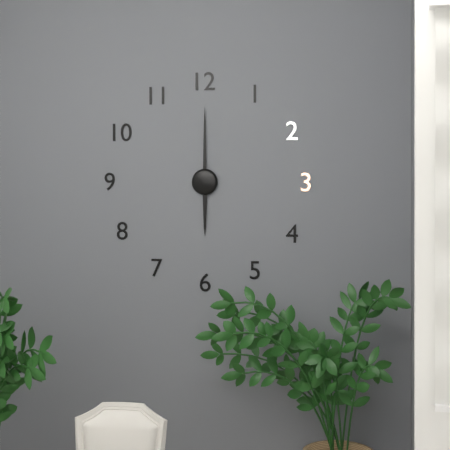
**6:00**
